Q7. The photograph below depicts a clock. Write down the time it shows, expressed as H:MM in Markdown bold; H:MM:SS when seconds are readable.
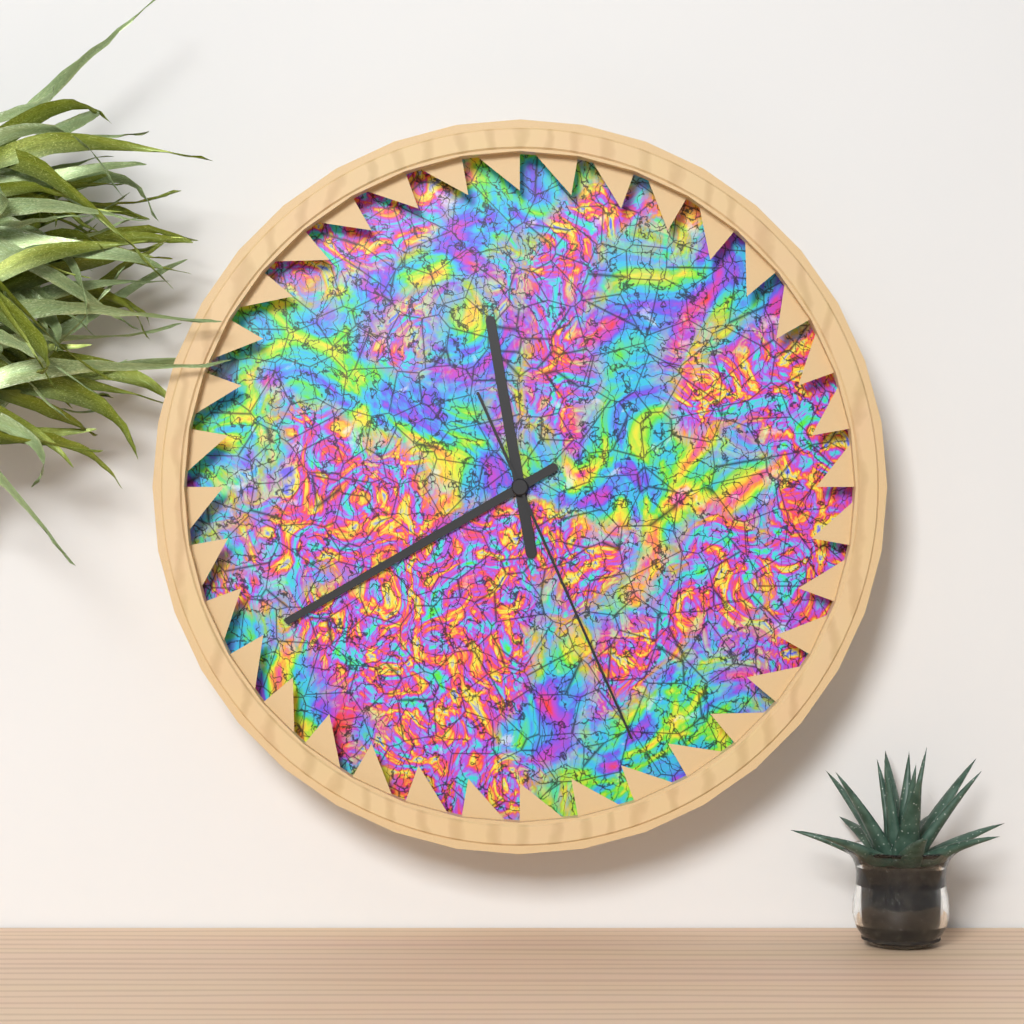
**11:40:26**
